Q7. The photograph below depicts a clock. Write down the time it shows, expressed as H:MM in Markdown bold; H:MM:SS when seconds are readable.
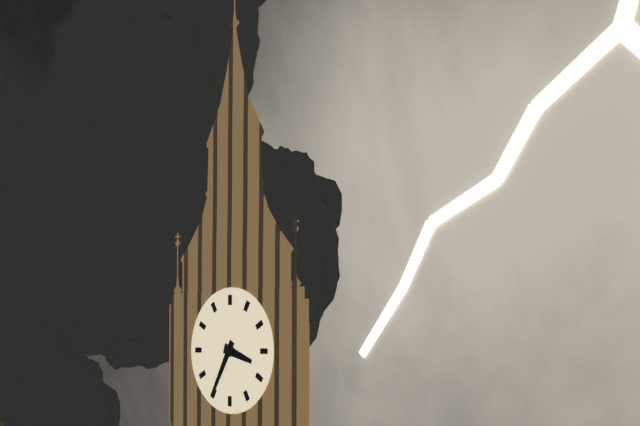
**3:35**
